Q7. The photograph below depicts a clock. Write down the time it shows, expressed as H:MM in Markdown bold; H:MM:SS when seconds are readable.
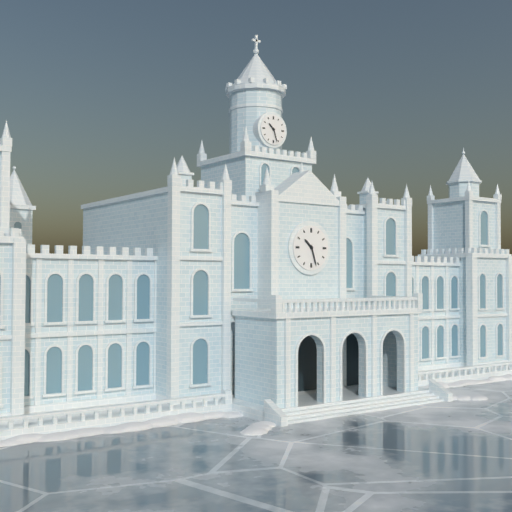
**10:27**
